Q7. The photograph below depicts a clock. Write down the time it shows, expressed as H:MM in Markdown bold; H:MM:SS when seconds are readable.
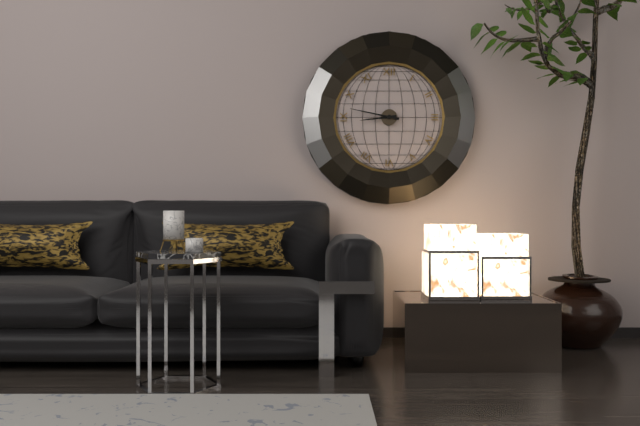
**8:47**
